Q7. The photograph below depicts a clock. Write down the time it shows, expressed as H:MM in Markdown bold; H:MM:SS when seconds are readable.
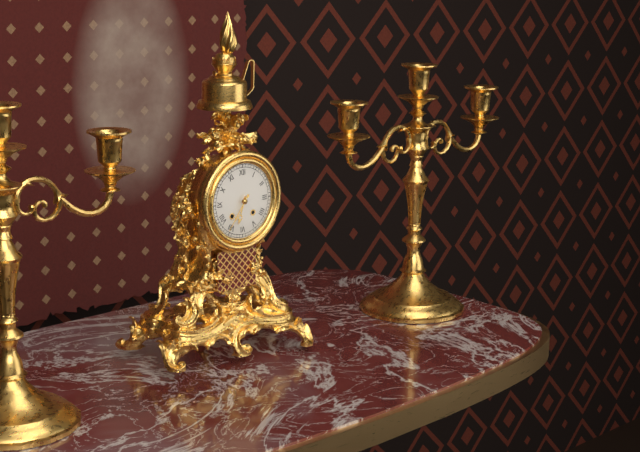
**6:36**
